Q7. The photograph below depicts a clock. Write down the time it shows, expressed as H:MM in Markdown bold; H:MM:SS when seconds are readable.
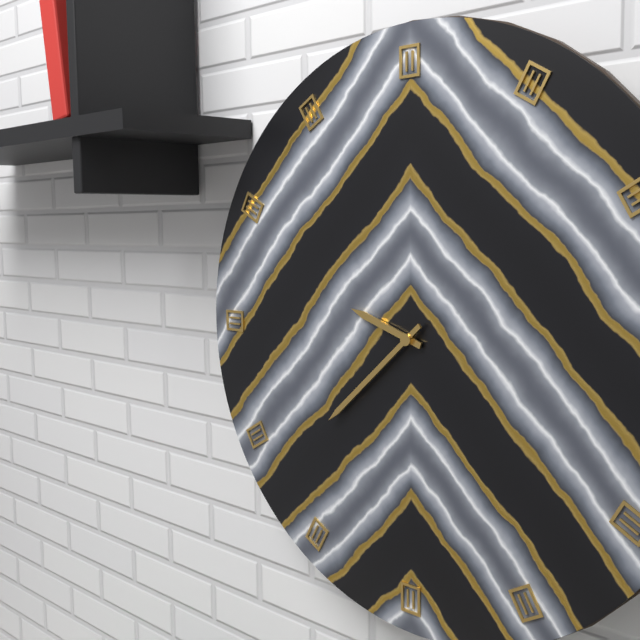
**9:38**
